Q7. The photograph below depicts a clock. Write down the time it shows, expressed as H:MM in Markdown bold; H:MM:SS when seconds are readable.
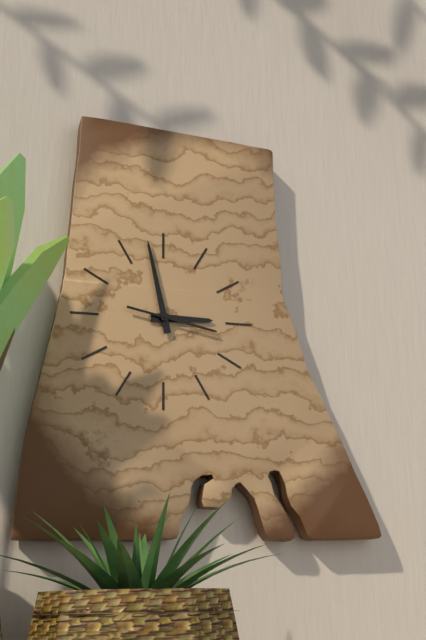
**2:58:17**
